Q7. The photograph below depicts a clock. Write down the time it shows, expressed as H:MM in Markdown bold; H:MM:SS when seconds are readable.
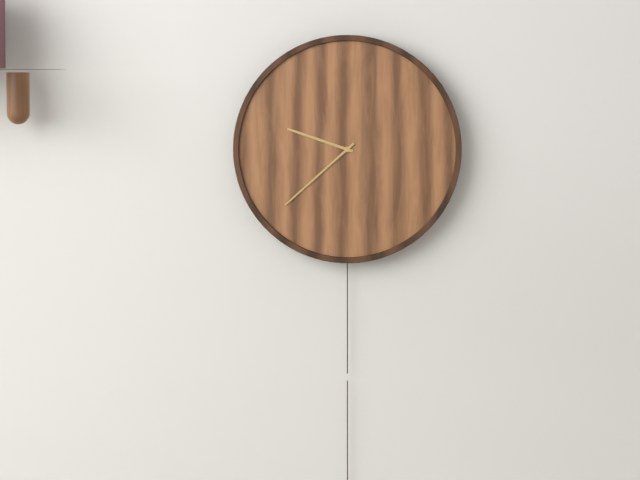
**9:38**
